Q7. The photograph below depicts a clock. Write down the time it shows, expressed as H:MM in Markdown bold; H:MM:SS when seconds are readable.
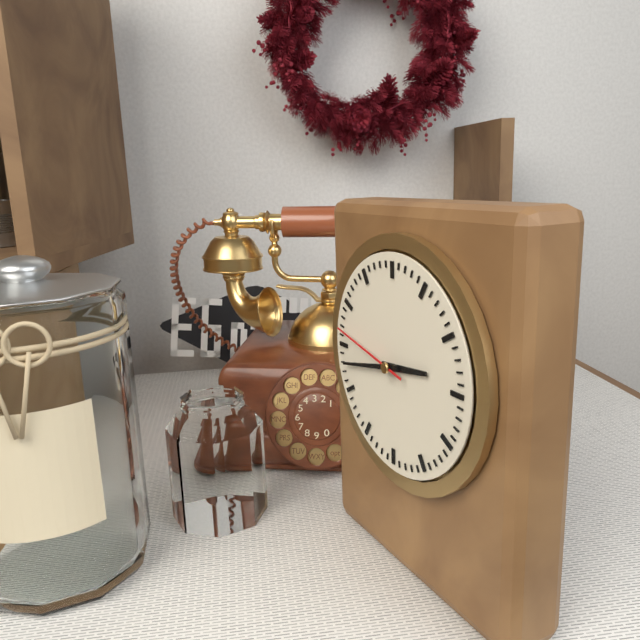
**2:43:47**
